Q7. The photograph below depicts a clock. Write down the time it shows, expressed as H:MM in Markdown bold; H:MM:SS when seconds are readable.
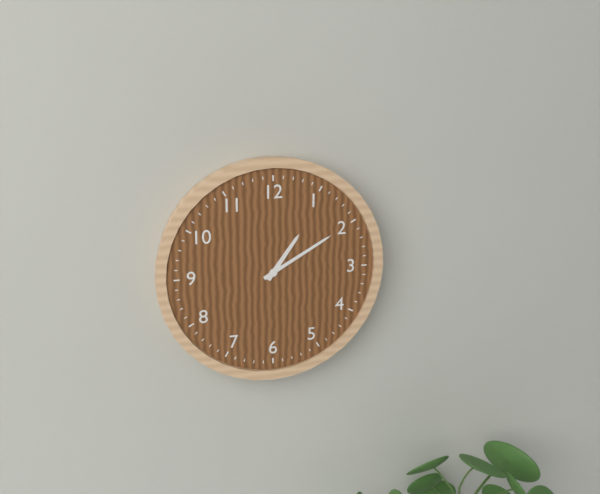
**1:10**
